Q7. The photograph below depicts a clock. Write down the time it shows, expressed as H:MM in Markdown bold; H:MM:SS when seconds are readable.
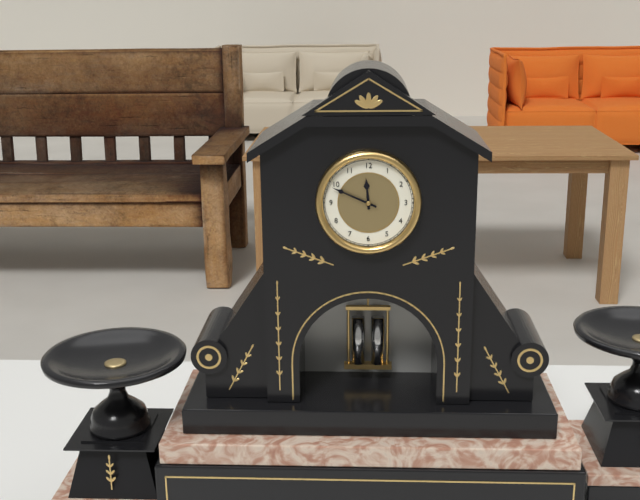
**11:49**
